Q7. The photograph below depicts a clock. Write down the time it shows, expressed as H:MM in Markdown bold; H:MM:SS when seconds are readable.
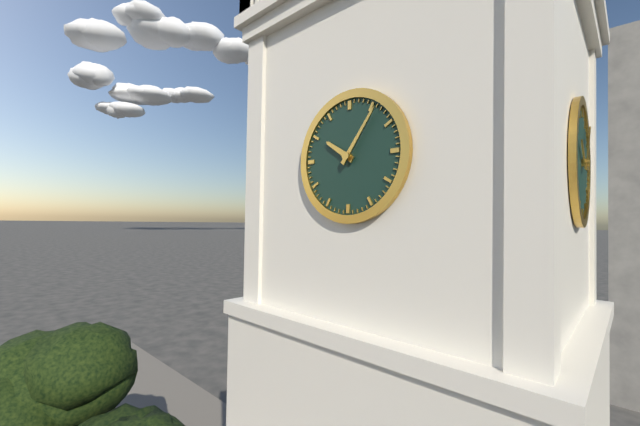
**10:06**
